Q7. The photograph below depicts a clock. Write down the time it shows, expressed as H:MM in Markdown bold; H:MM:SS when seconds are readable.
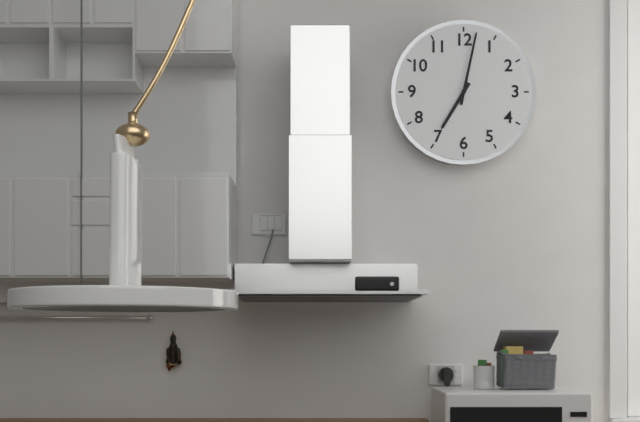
**7:02**
